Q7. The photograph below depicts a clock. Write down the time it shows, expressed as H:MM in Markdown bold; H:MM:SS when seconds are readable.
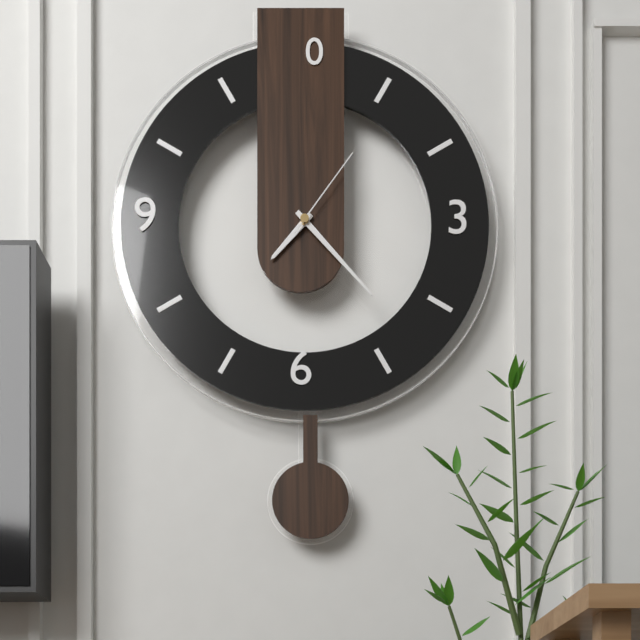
**7:23:06**
